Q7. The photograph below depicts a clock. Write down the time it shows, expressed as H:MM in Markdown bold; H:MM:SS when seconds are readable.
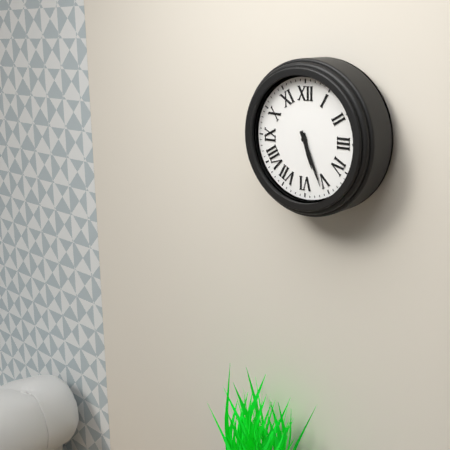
**5:26**
